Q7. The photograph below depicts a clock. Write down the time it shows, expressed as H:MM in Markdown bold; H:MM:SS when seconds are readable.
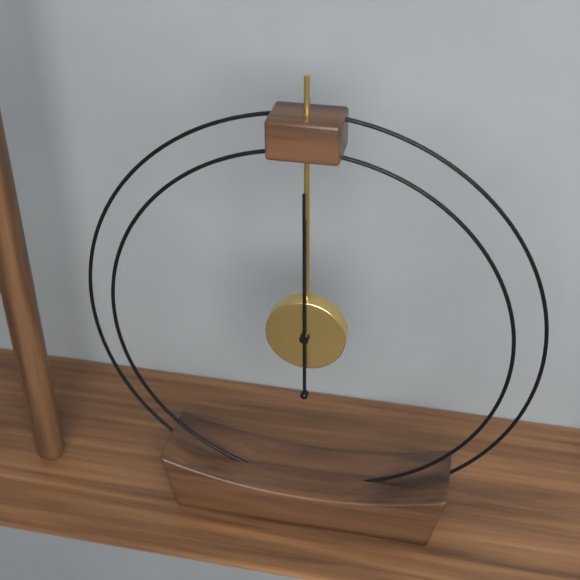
**12:00**
